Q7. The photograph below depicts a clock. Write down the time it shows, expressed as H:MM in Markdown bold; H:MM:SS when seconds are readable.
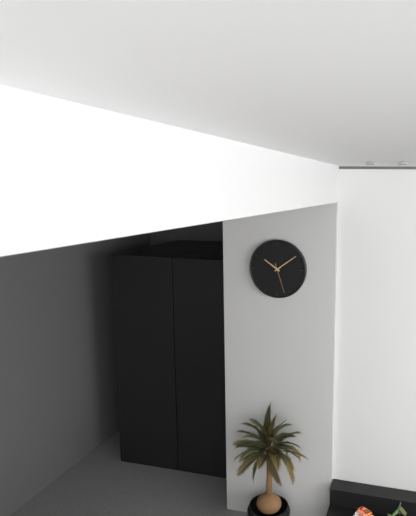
**10:09**
